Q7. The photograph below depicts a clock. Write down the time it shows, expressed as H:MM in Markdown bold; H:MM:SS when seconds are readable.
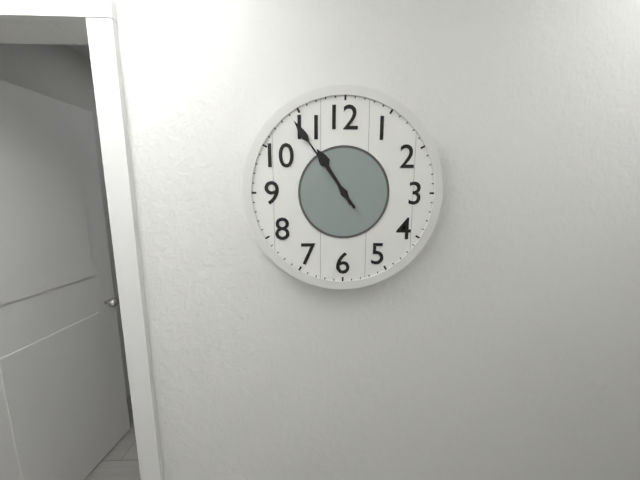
**10:54**
